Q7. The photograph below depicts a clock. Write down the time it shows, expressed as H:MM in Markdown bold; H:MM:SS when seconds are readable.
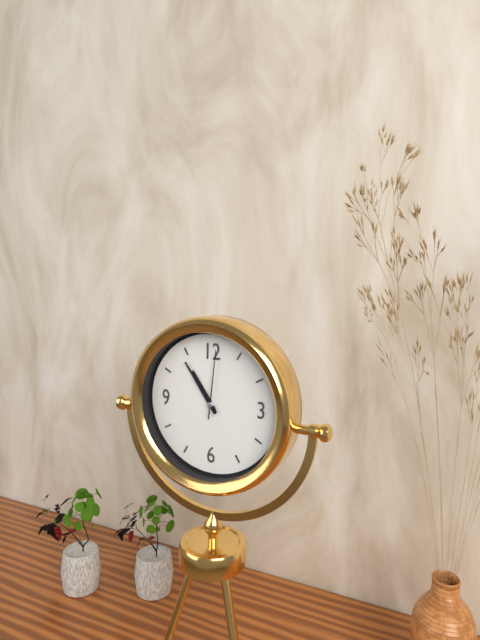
**10:54:01**
